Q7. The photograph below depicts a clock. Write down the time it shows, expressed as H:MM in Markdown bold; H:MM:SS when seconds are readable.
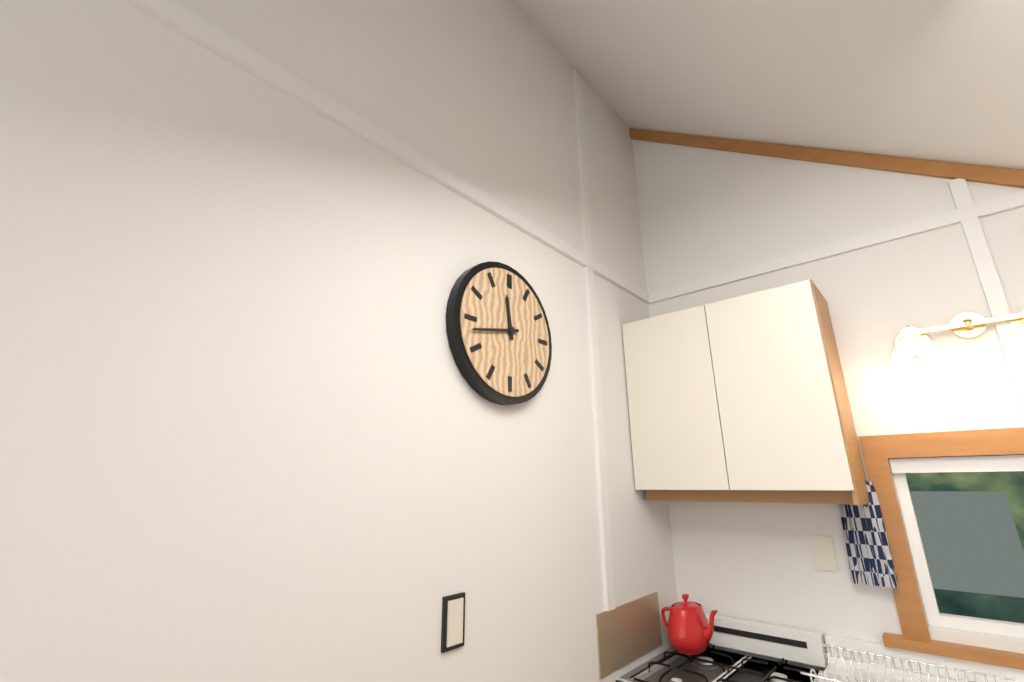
**11:43**
